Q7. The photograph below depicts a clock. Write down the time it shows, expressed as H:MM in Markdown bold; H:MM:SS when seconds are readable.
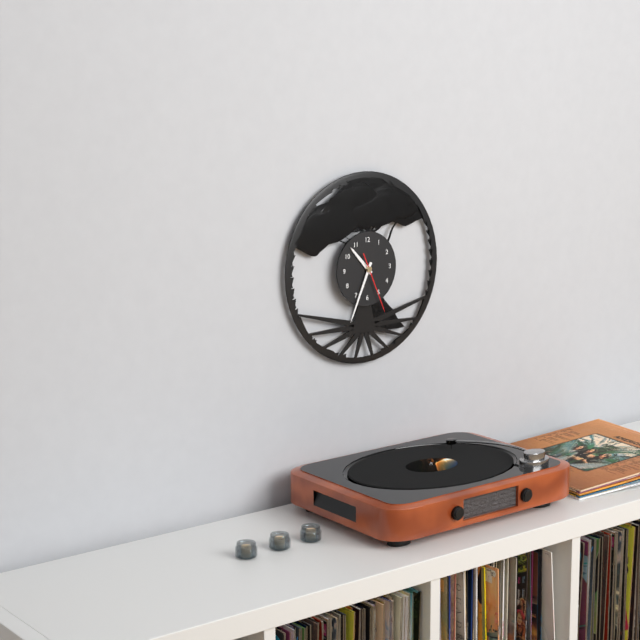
**10:34:26**
